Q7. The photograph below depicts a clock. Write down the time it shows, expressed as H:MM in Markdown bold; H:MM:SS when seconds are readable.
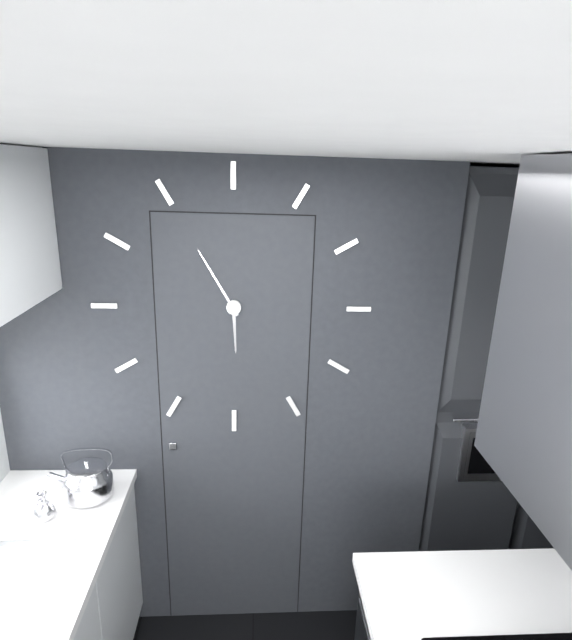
**5:55**
